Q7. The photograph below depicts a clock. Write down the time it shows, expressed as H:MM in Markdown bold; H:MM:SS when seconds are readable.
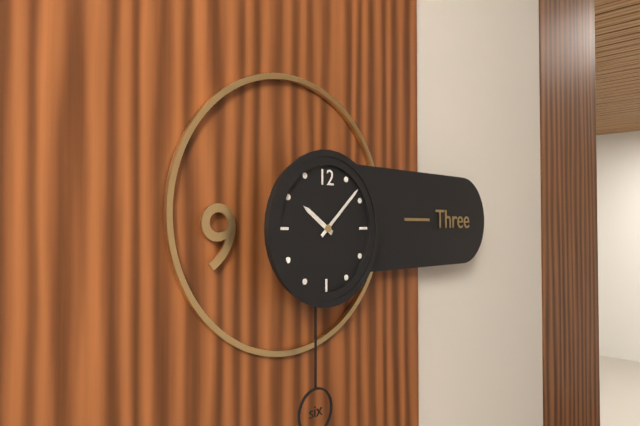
**10:08**
